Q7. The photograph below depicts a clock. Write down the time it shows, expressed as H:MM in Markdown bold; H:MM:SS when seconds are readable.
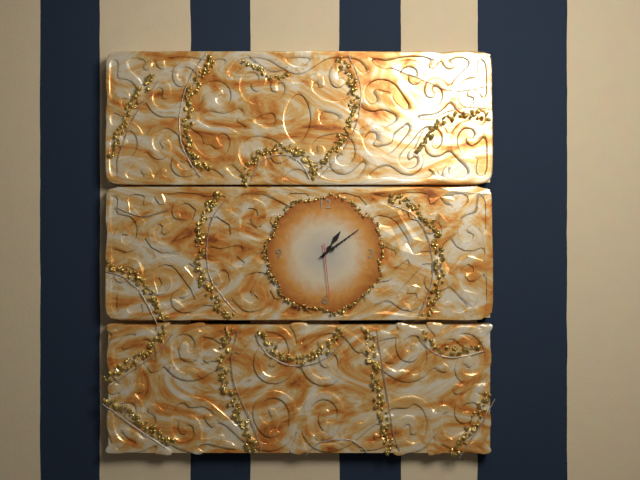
**1:09:29**
